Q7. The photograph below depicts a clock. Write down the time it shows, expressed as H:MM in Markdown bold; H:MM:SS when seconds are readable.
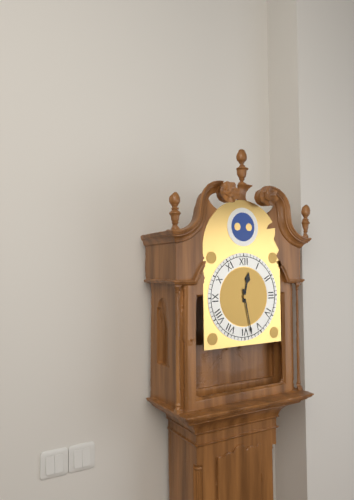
**12:28**
